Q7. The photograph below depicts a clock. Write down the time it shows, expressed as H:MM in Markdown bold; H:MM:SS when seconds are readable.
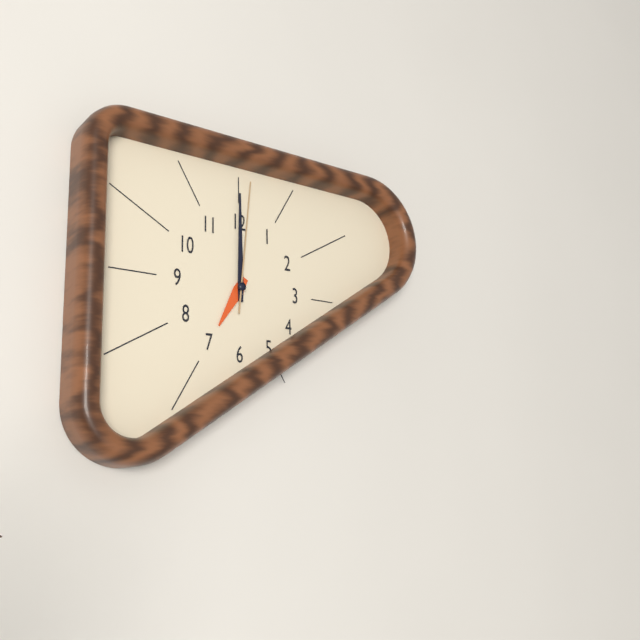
**7:00:01**
